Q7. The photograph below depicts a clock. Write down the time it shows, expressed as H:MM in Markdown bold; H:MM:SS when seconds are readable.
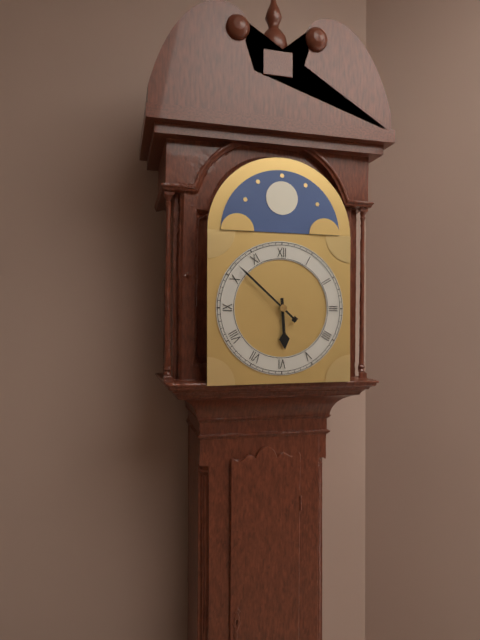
**5:52**
